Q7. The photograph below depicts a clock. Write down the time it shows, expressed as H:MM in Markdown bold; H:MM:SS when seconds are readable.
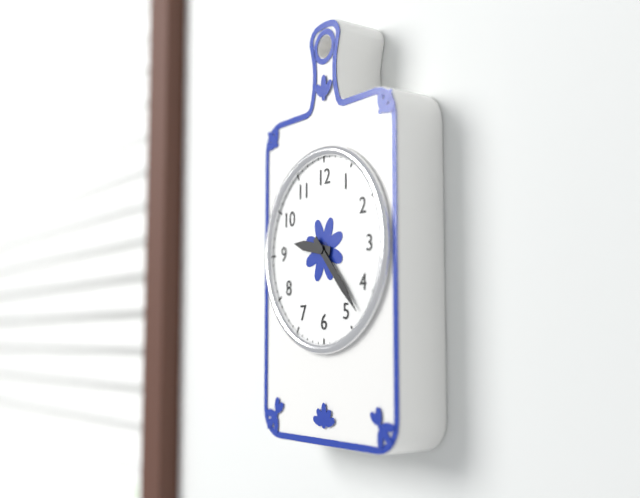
**9:23**
